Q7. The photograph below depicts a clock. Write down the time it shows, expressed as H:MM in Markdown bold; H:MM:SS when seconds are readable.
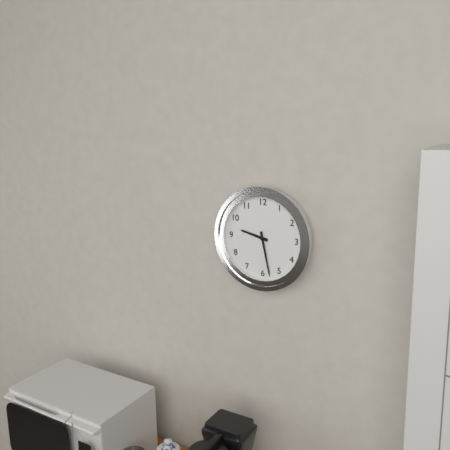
**9:28**
